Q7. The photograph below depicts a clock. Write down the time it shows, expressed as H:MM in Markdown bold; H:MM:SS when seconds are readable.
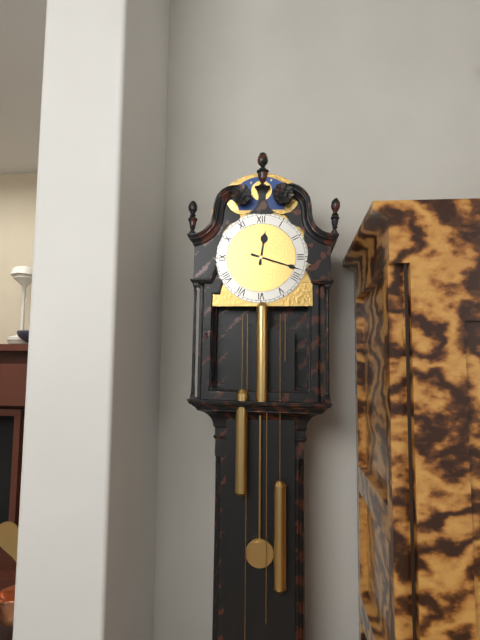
**12:18**
